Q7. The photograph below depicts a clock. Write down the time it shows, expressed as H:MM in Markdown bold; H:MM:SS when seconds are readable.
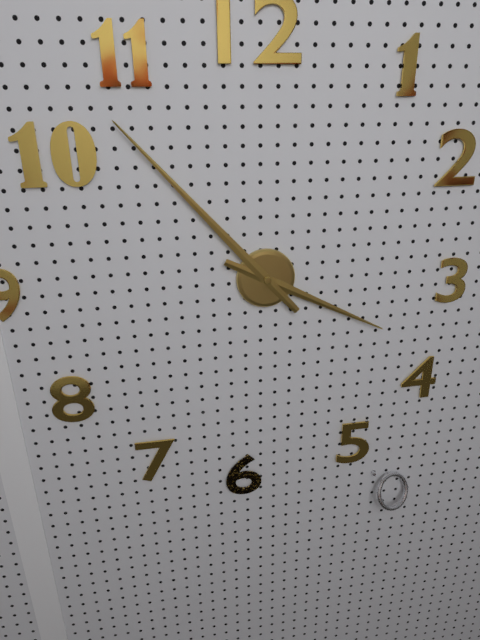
**3:53**
